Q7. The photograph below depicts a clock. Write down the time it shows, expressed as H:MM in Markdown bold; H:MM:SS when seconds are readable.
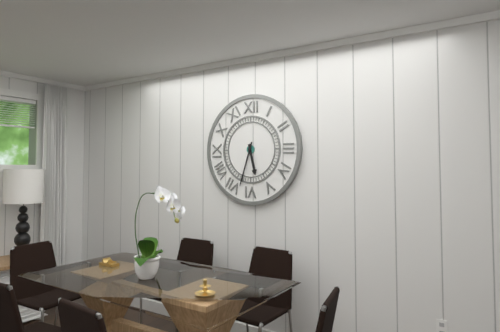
**5:33**
